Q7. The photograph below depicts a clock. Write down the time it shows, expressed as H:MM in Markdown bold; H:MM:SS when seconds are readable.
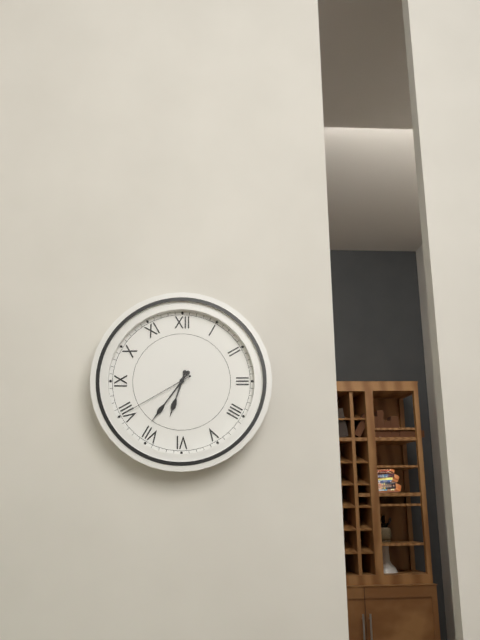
**6:36:40**
